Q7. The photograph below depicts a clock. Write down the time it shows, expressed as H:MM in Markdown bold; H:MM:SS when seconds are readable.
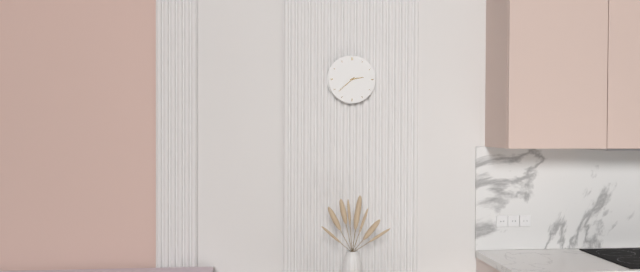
**2:38**
